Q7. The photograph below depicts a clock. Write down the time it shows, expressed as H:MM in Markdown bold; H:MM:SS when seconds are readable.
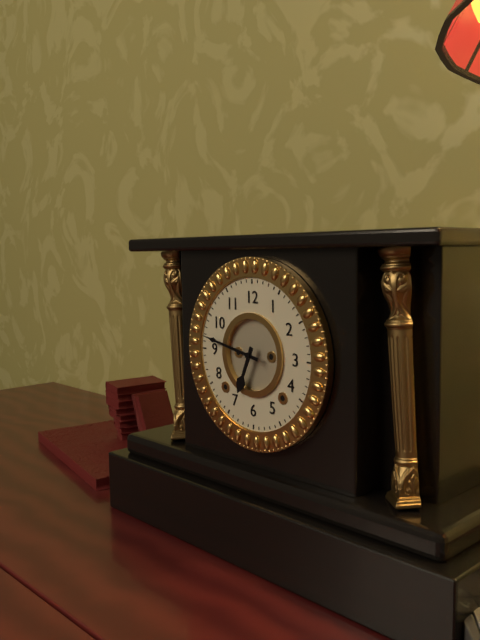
**6:47**
